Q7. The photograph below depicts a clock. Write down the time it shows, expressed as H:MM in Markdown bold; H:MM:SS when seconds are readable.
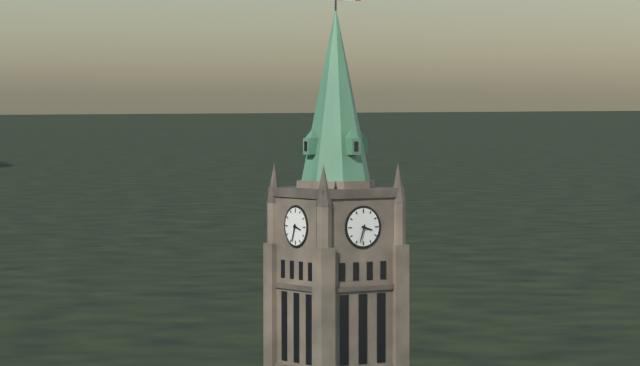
**3:33**
